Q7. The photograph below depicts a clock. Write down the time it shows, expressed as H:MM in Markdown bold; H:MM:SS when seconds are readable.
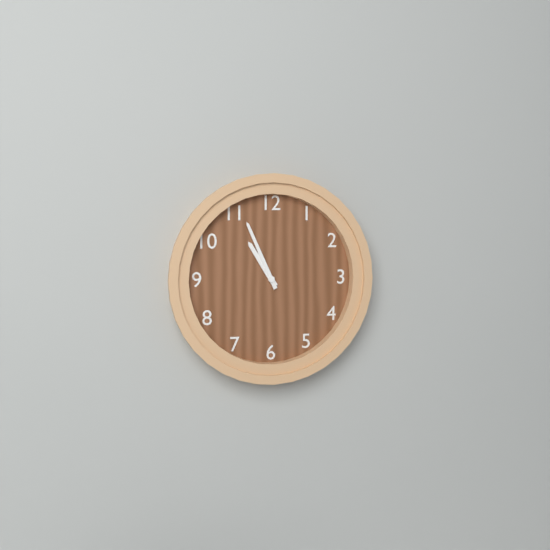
**10:56**
